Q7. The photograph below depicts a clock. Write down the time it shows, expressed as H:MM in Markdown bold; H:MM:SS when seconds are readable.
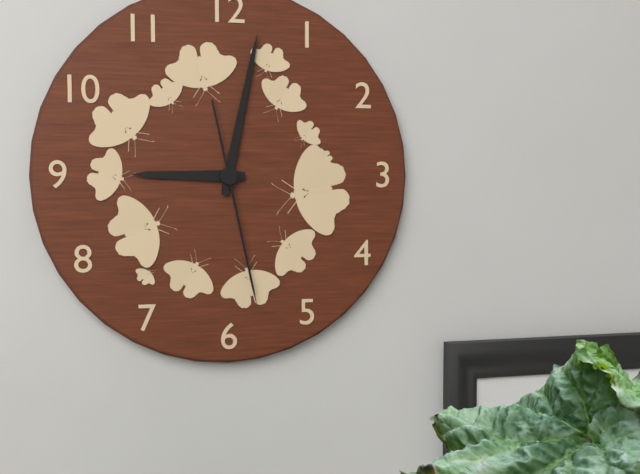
**9:02:28**
